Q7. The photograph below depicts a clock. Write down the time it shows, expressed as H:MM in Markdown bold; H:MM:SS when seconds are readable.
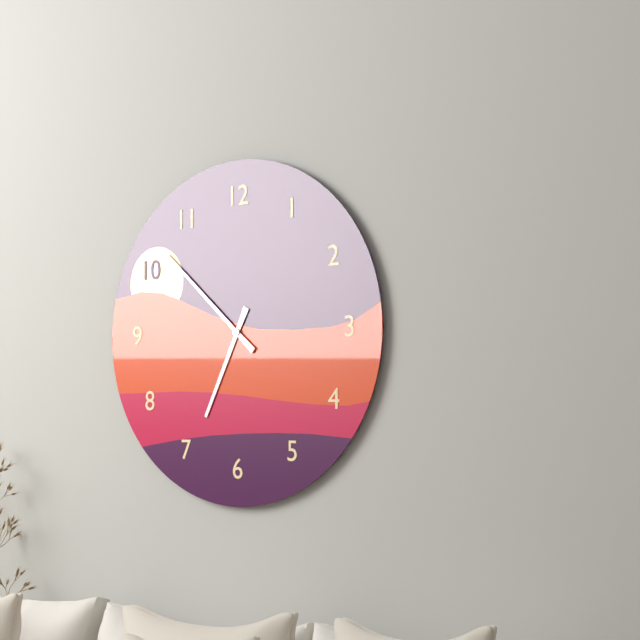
**6:52**
